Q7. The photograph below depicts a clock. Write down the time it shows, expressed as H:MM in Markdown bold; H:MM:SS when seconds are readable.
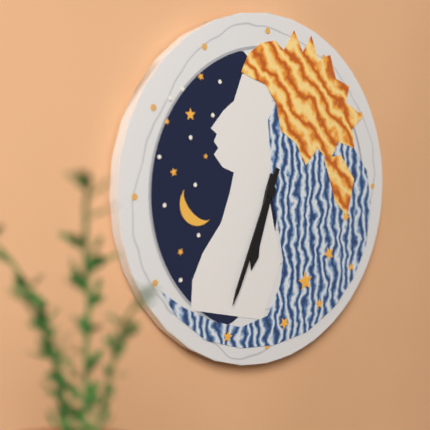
**6:34**
